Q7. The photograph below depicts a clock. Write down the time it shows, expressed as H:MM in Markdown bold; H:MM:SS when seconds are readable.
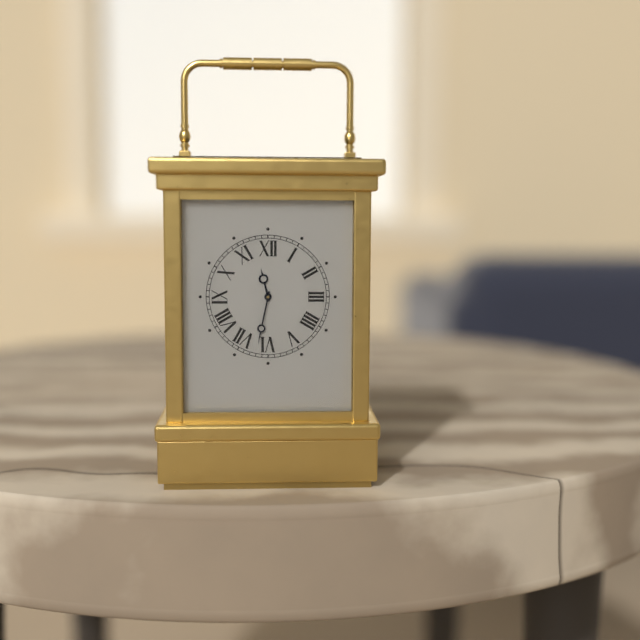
**11:32**
